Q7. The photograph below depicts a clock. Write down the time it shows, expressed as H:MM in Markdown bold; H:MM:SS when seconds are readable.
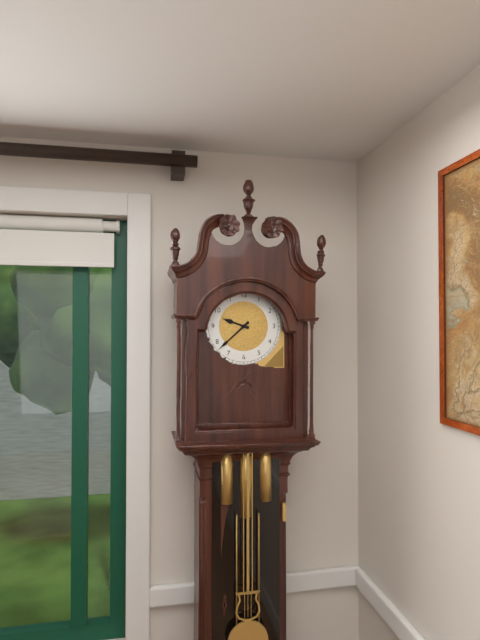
**9:38**
